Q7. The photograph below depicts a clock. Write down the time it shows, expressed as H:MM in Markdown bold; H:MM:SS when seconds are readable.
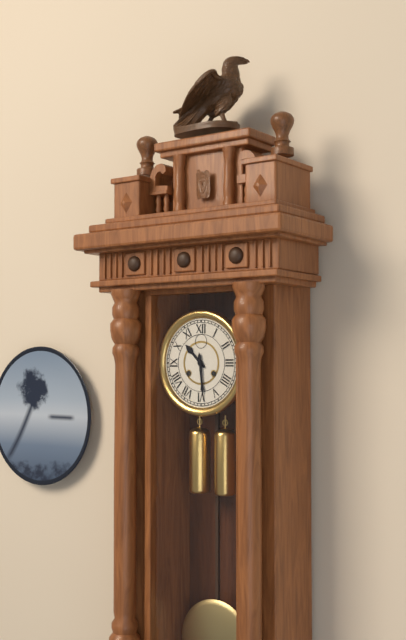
**10:29**
